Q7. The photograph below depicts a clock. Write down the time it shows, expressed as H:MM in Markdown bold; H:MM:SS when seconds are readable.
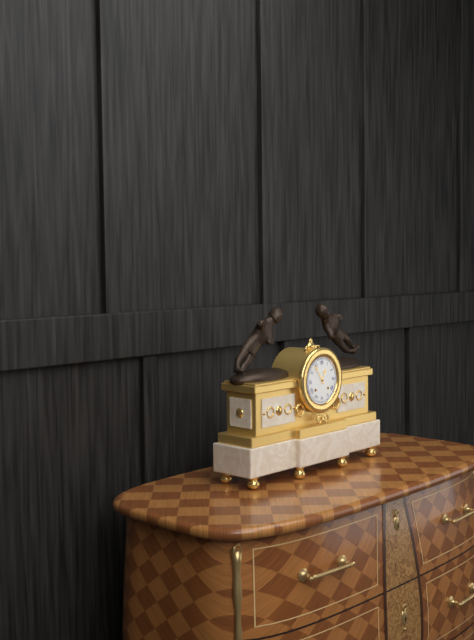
**12:54**
